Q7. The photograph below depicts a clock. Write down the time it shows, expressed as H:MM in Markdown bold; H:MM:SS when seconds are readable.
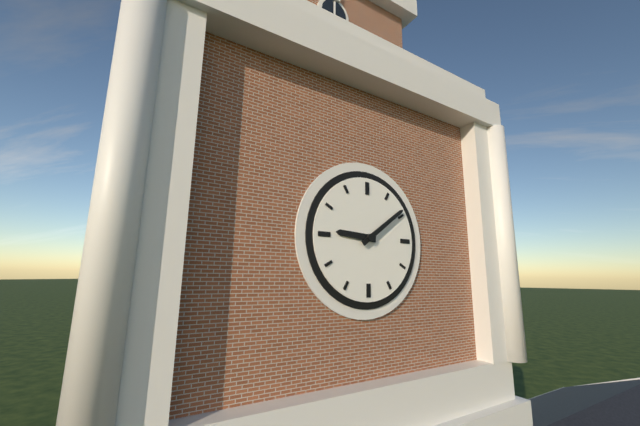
**9:09**
